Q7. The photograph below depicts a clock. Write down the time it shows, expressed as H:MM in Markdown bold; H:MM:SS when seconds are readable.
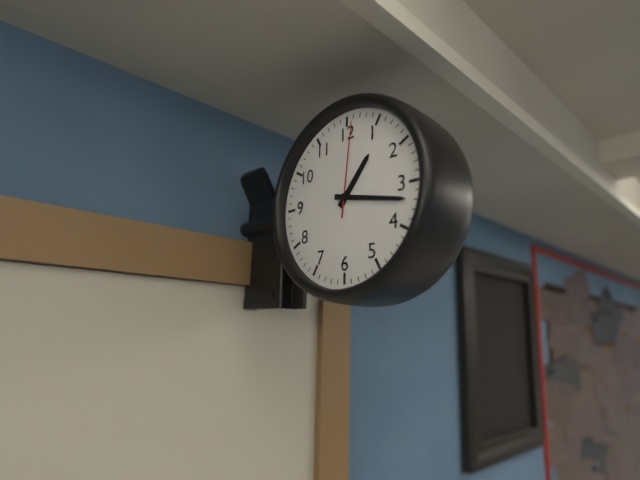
**1:17:01**
